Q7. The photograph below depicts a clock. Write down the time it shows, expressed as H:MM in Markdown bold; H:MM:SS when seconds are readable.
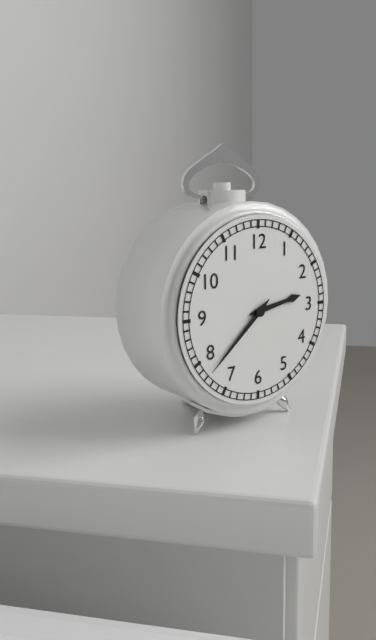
**2:38**
